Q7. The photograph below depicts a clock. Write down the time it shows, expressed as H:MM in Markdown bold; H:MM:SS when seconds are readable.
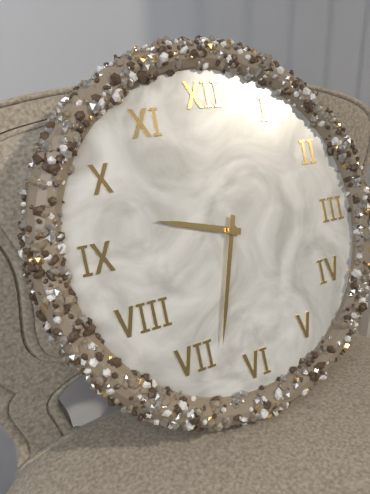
**9:33**
